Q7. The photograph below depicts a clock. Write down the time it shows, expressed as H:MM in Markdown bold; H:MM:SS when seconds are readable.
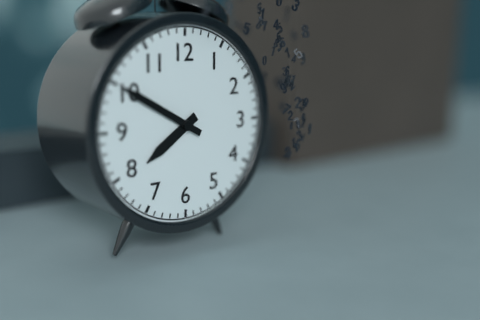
**7:50**
